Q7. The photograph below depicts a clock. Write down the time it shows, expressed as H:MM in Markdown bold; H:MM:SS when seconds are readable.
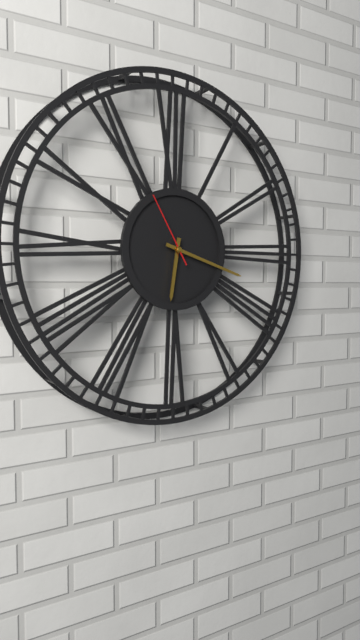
**6:18:55**
